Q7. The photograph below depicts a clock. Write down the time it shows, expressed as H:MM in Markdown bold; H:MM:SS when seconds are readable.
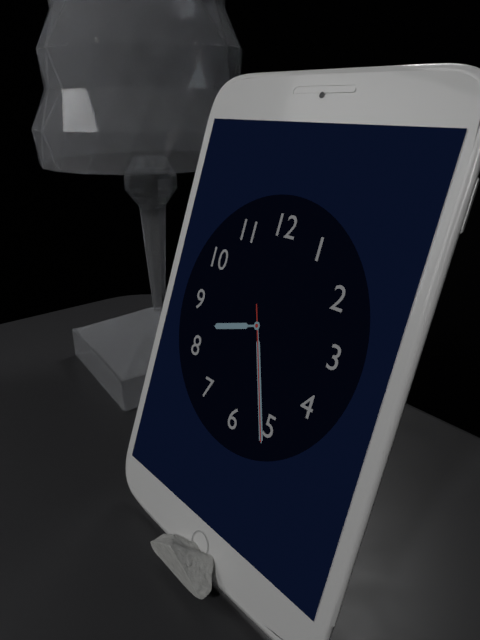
**8:26:26**
